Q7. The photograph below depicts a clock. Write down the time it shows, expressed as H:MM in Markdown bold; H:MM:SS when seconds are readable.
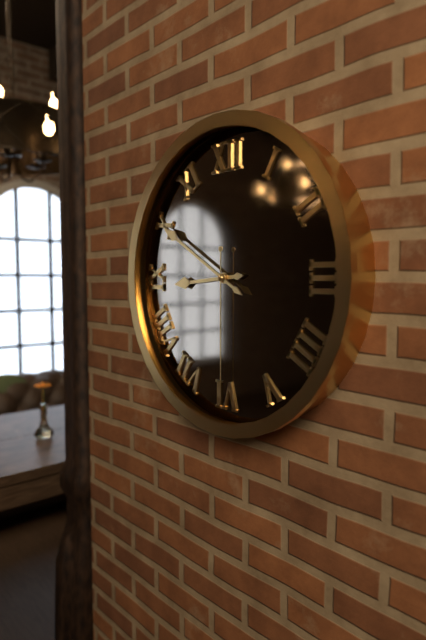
**8:50:30**
